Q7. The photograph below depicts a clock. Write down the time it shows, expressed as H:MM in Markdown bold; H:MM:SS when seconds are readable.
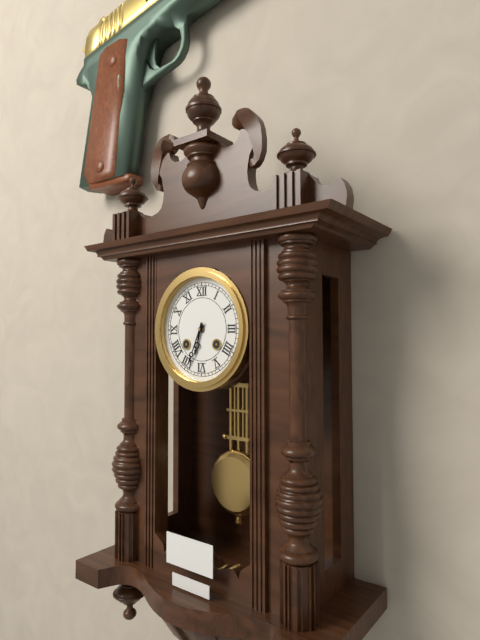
**6:34**
